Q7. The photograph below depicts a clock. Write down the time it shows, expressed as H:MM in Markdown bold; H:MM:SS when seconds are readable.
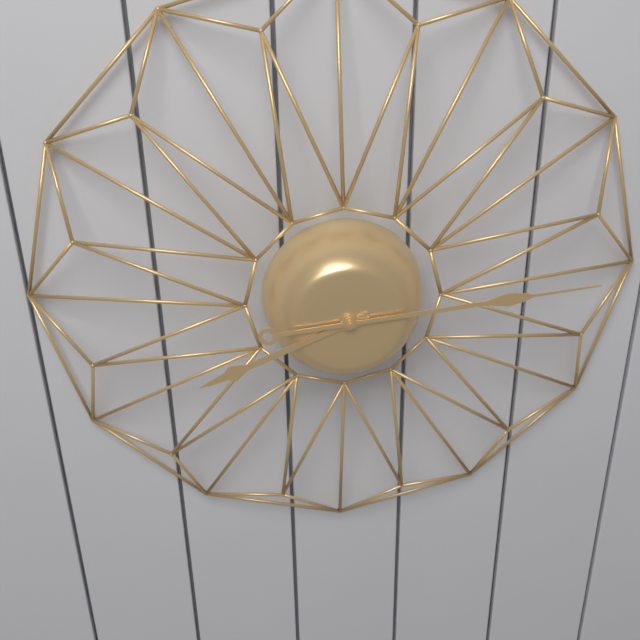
**8:14**
